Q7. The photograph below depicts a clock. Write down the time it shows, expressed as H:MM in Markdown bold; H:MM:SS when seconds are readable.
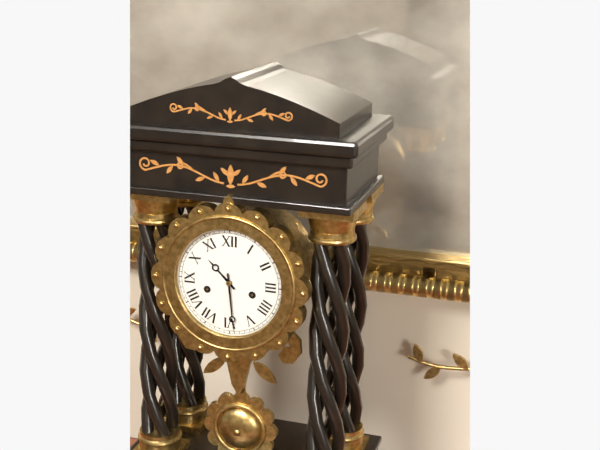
**10:29**
